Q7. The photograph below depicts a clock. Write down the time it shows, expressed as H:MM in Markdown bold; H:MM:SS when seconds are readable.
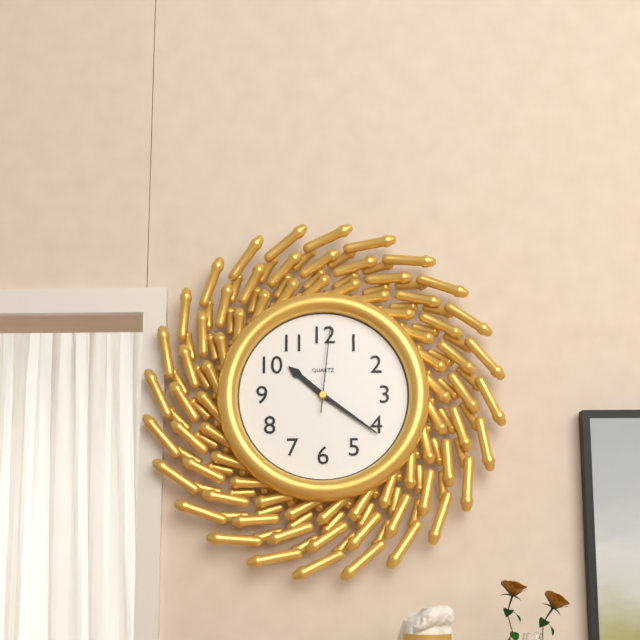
**10:21:01**
